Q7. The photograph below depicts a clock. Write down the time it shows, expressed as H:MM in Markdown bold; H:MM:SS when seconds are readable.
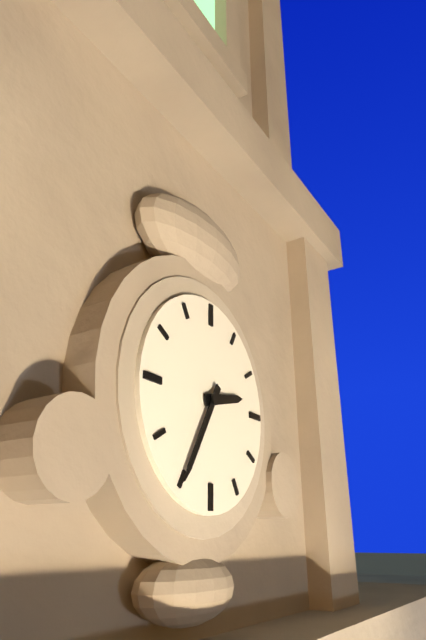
**2:35**
